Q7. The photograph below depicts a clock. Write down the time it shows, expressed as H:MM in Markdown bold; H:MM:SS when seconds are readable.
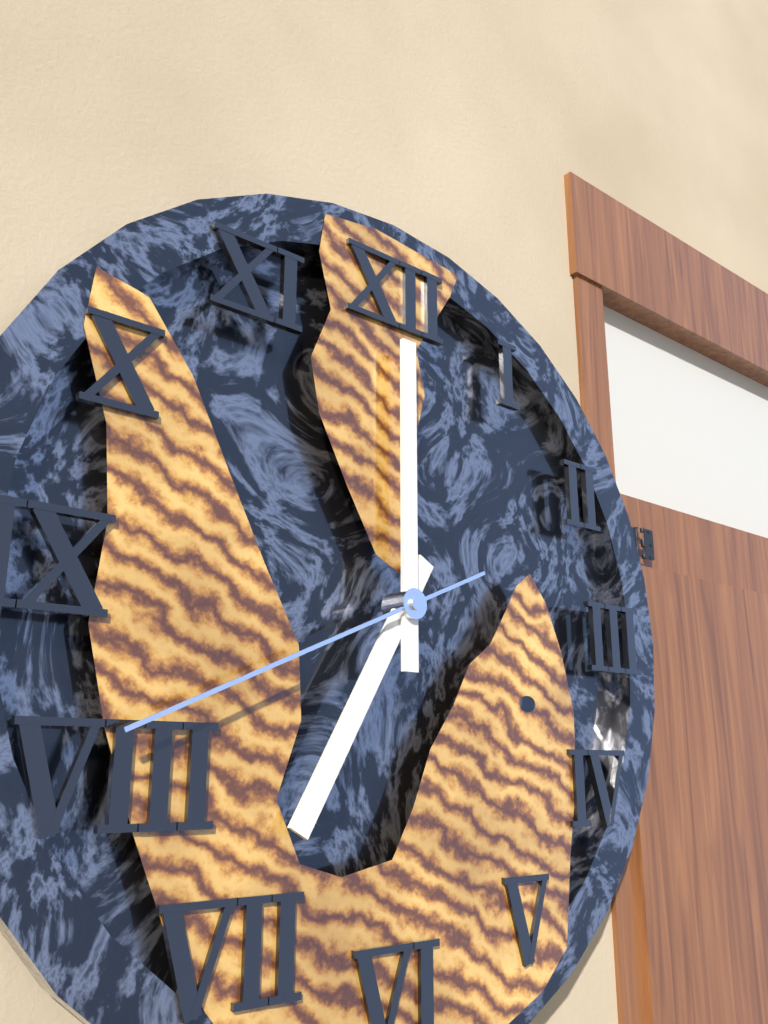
**7:00:41**
